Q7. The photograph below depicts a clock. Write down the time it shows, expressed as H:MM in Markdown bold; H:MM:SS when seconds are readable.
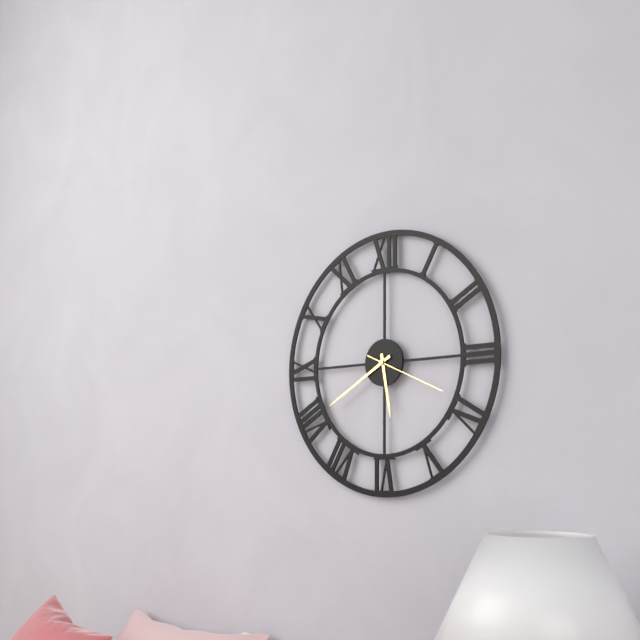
**5:40:19**
